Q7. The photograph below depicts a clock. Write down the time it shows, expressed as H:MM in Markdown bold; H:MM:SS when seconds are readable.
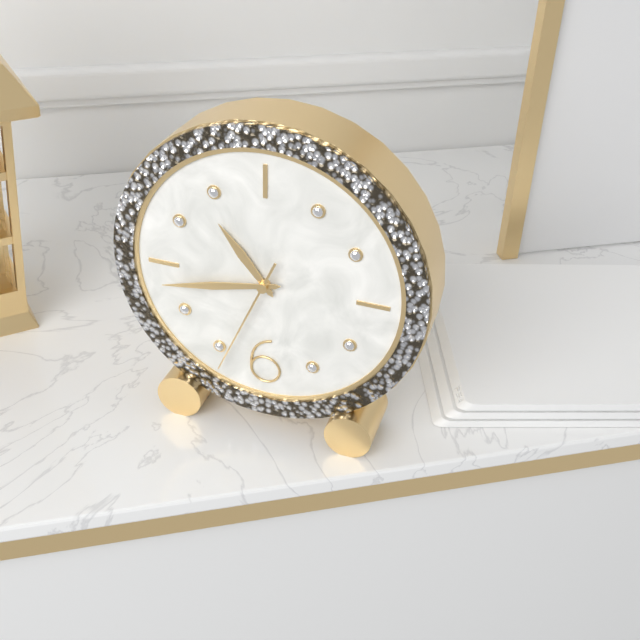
**10:43:34**
